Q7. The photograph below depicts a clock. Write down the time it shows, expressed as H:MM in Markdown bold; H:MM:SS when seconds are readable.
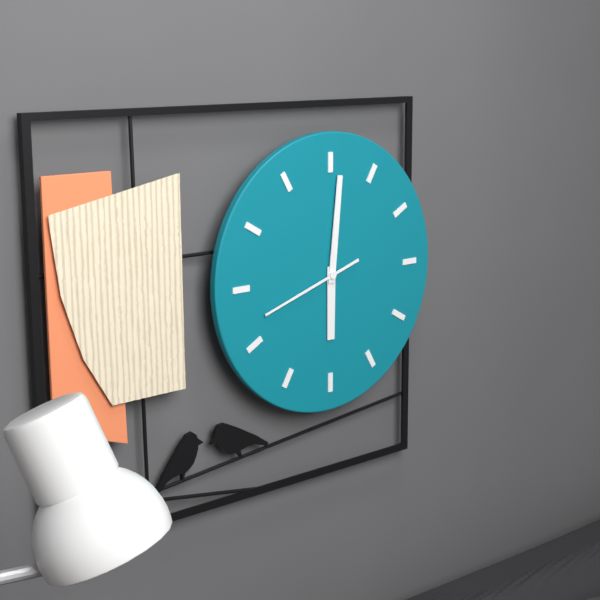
**6:01:42**
